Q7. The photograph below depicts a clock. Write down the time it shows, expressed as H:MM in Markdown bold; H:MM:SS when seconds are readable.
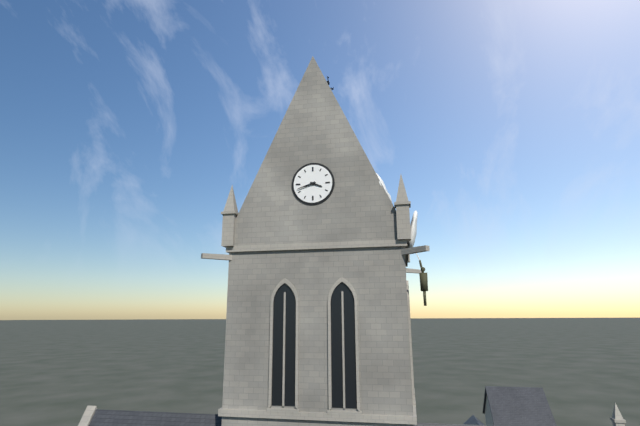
**3:42**
